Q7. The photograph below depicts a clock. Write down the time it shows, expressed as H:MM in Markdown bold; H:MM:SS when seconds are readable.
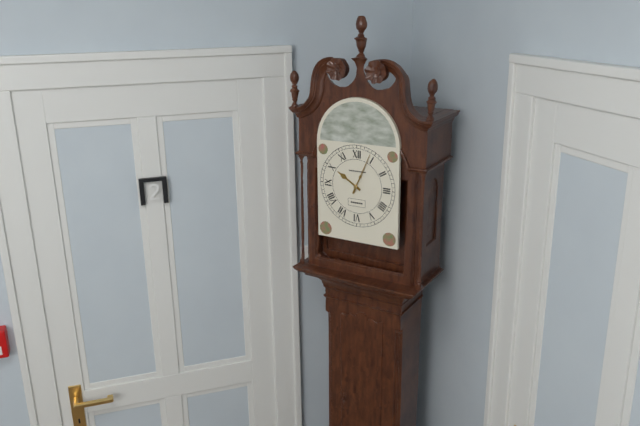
**10:04**
